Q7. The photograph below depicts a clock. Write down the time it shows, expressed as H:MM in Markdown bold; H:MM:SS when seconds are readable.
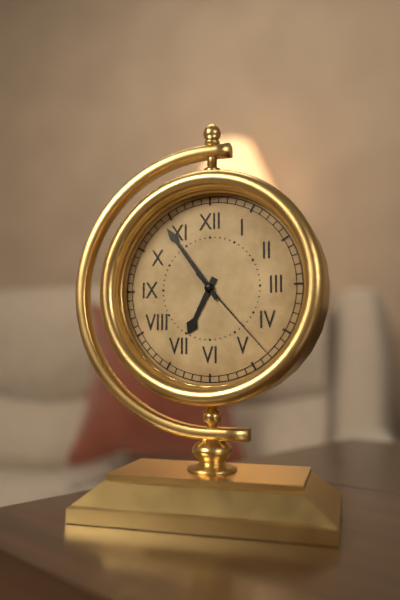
**6:54:23**
